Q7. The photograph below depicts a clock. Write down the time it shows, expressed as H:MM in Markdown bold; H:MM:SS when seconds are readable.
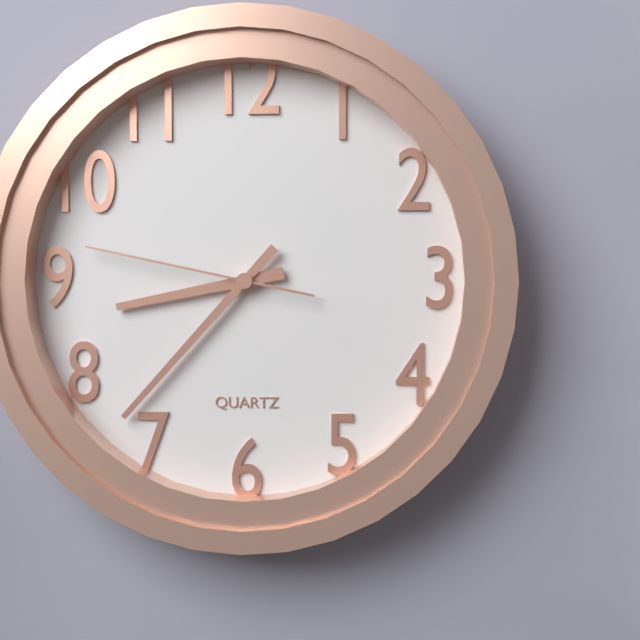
**8:37:47**
